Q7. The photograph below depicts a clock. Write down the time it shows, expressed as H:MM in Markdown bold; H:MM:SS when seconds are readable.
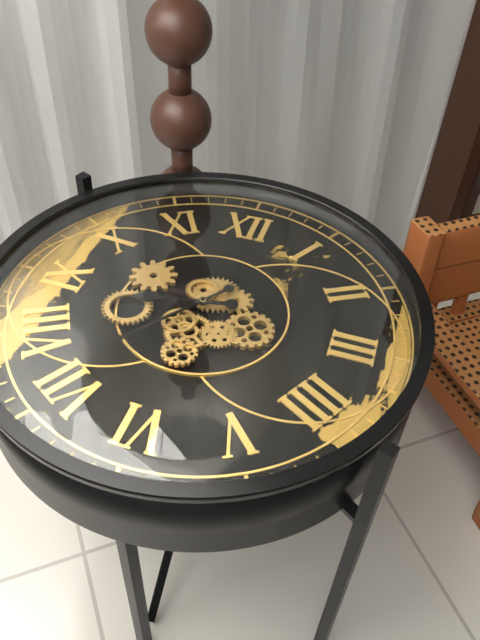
**8:36**
